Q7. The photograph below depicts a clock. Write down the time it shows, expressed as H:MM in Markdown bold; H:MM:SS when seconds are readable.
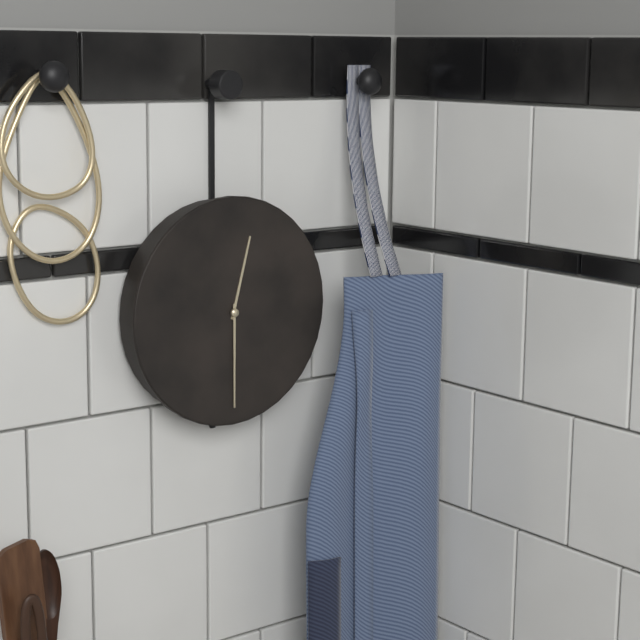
**12:30**
